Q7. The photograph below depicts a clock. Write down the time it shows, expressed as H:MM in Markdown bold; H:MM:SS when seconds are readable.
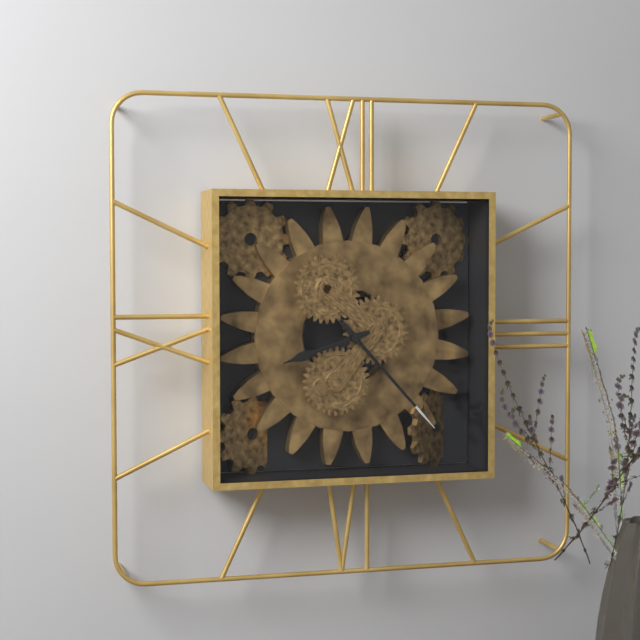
**8:23**
